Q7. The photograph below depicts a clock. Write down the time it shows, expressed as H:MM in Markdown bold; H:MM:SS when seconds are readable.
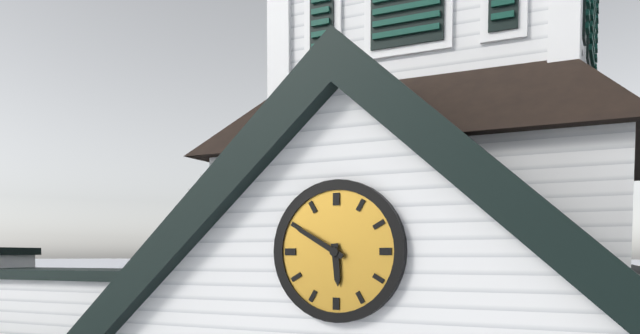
**5:50**
